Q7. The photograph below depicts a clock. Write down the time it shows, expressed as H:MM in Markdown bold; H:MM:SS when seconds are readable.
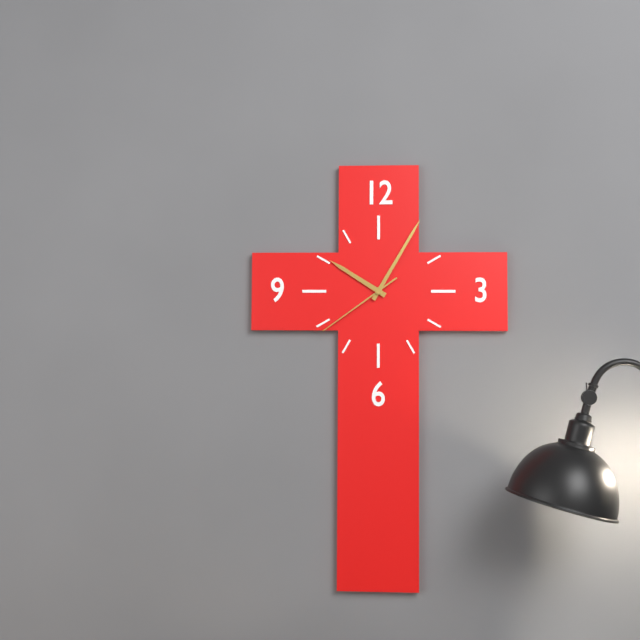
**10:05:39**
